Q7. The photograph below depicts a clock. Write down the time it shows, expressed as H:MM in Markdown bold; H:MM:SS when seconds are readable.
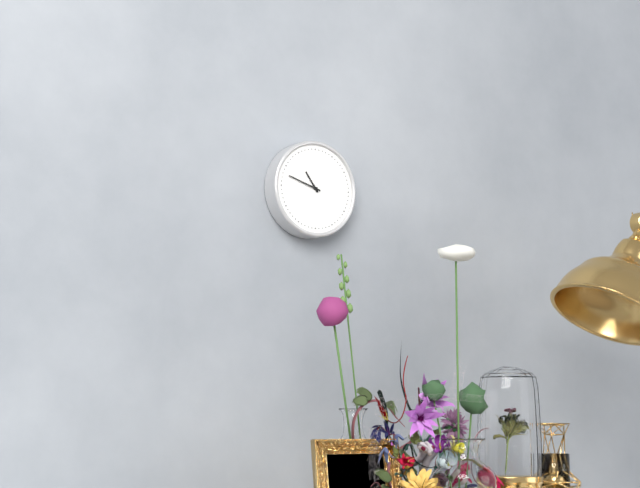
**10:48**
